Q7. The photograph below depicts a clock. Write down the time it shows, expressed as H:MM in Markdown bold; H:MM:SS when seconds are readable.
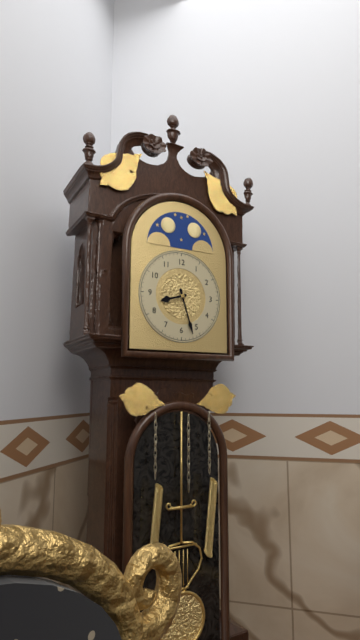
**8:27**
